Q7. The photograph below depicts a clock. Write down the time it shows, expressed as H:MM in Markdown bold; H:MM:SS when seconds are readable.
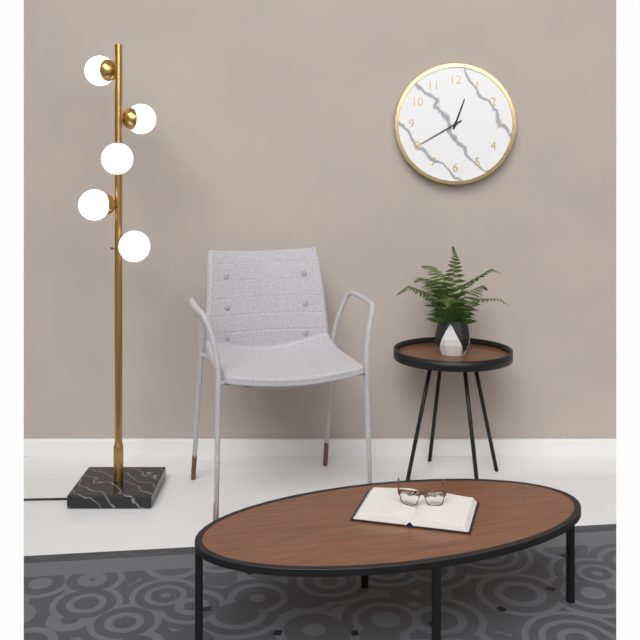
**12:40**
